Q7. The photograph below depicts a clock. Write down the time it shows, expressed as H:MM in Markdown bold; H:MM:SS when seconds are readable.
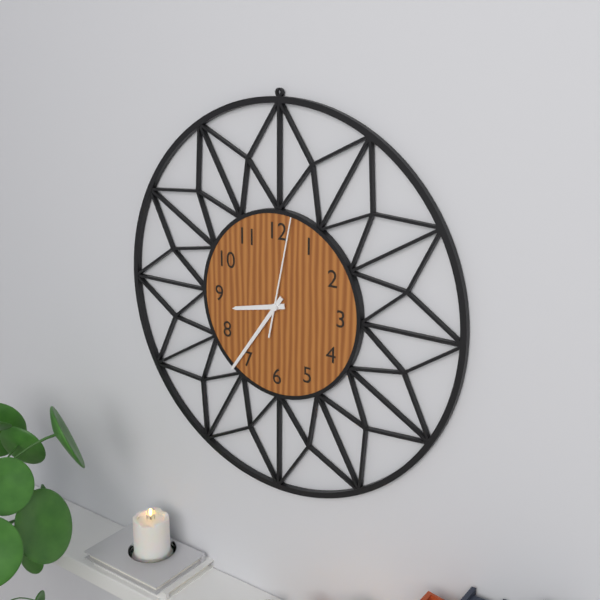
**8:36:02**
